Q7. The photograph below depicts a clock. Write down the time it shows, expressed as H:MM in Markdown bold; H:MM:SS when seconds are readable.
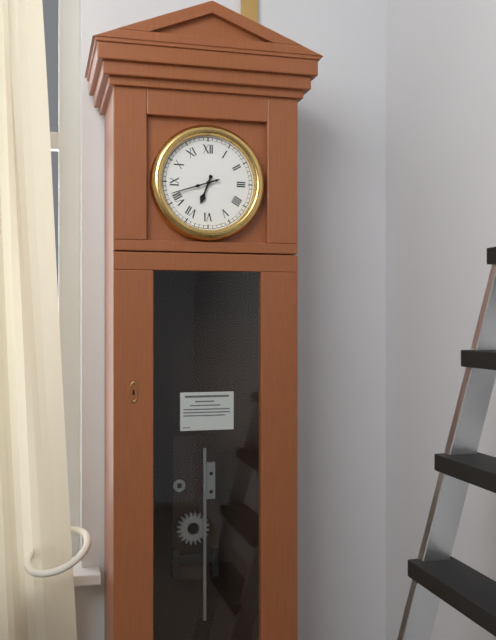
**6:42**
